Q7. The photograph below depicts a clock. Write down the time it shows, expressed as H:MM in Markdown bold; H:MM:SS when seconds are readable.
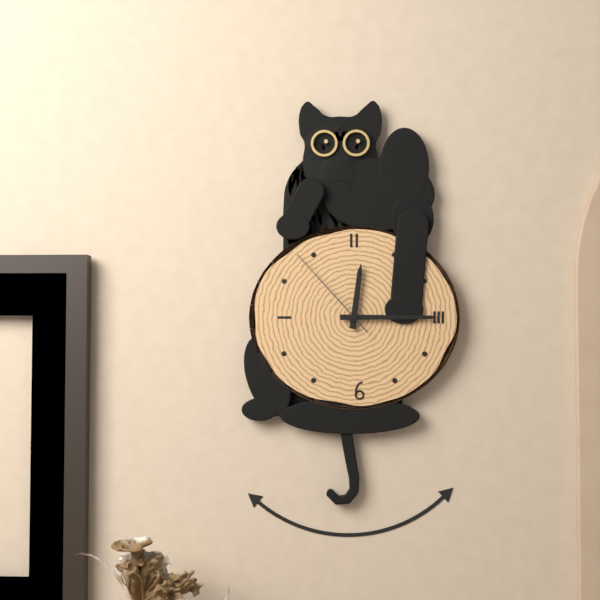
**12:15:53**
